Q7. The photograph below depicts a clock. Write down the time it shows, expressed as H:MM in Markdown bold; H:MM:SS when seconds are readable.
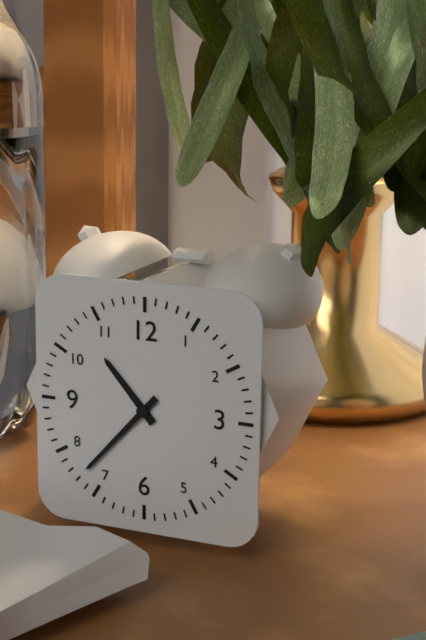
**10:37**
